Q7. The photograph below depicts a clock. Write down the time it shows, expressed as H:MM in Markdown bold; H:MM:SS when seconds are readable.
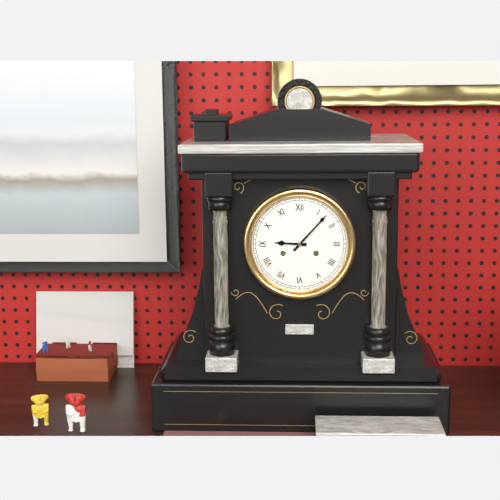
**9:07**
